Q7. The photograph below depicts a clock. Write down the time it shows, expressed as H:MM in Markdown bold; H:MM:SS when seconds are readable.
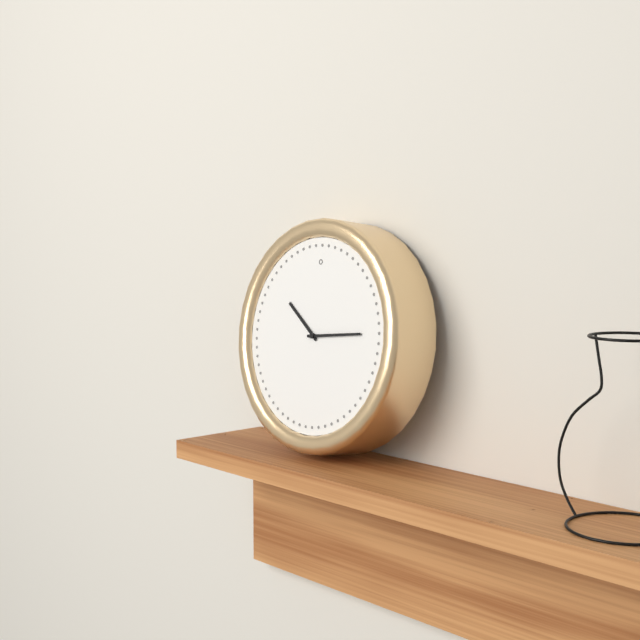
**10:14**
